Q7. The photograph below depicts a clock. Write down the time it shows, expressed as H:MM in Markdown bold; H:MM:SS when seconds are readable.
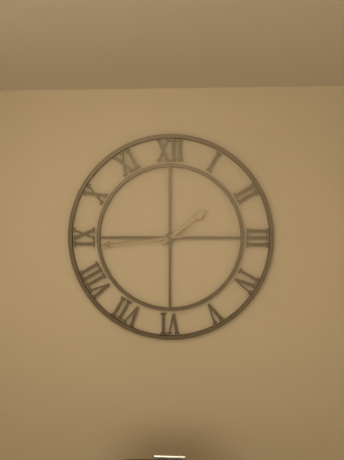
**1:44**
